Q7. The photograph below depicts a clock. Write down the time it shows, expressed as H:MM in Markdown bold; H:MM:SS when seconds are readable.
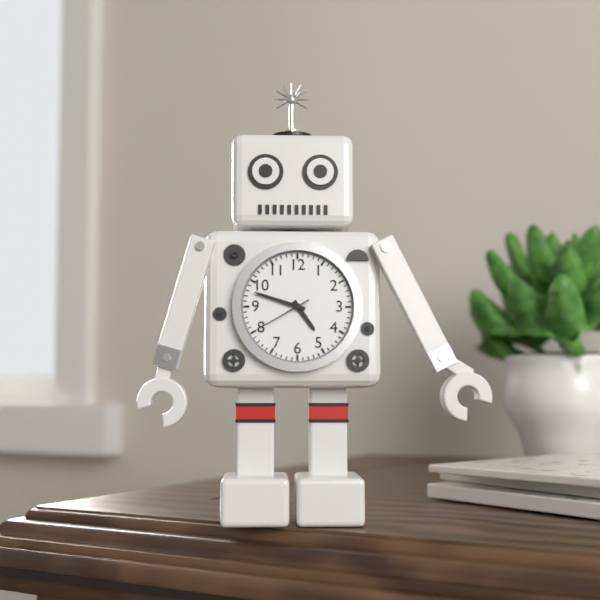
**4:48:40**
